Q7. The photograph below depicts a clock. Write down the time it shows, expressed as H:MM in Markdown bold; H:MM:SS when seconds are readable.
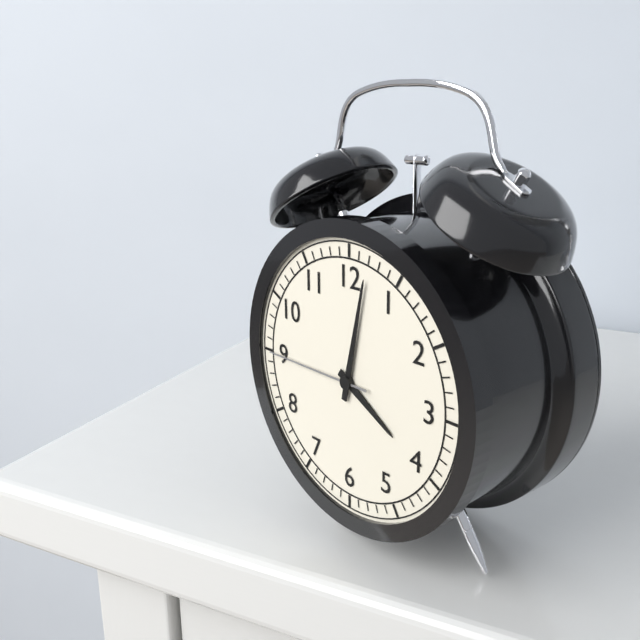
**4:02:45**
